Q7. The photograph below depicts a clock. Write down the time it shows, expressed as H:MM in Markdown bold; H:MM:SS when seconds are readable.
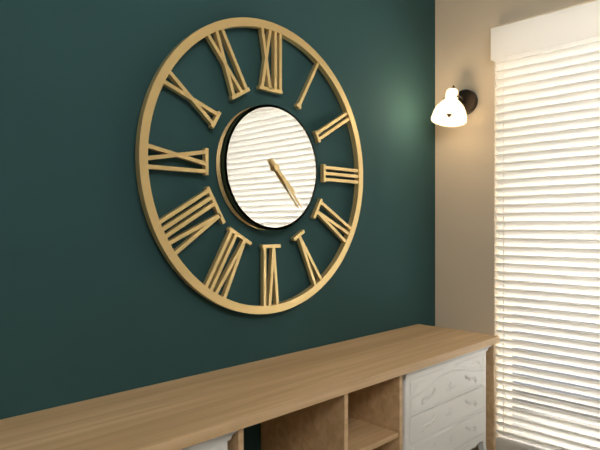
**4:23**
